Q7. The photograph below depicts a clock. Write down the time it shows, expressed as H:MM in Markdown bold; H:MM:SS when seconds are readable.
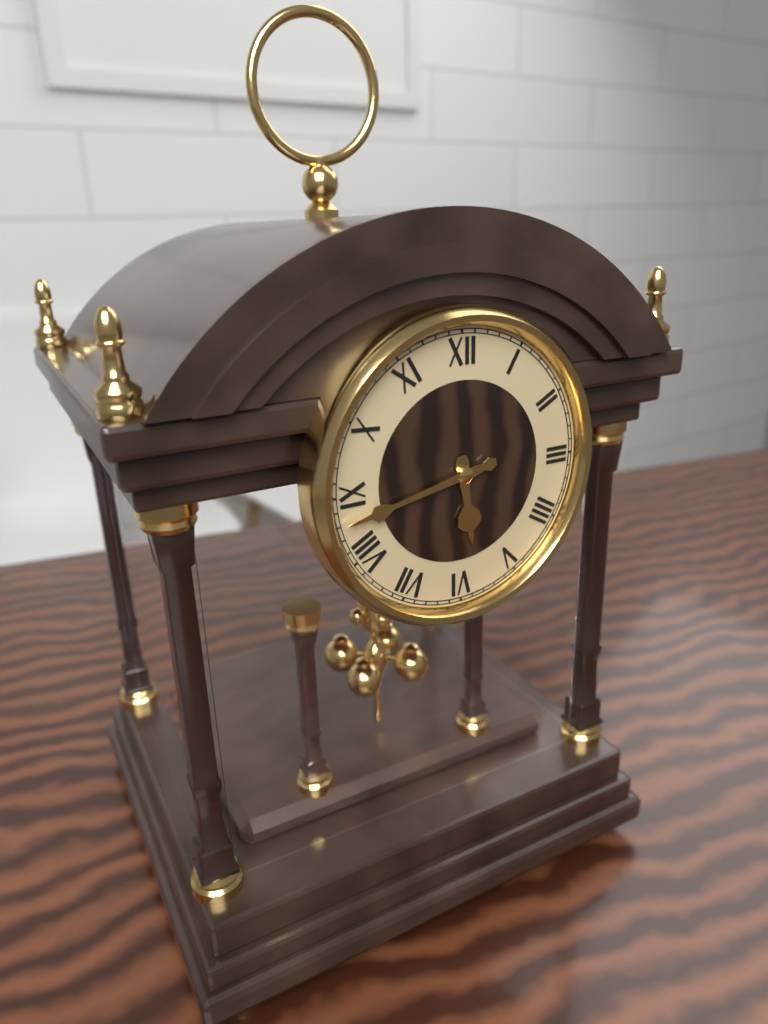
**5:43**
